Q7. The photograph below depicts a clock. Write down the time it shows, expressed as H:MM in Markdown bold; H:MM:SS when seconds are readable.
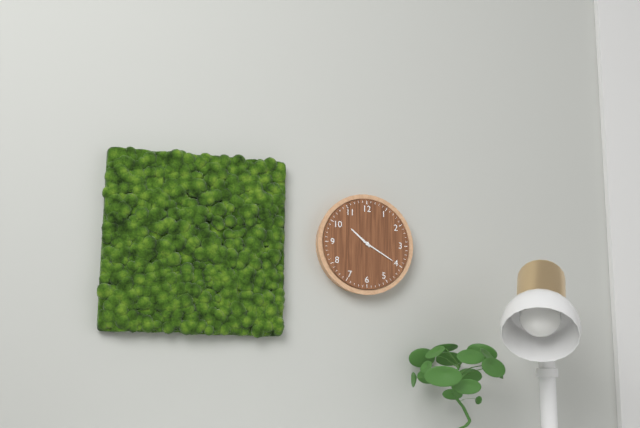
**10:20**
